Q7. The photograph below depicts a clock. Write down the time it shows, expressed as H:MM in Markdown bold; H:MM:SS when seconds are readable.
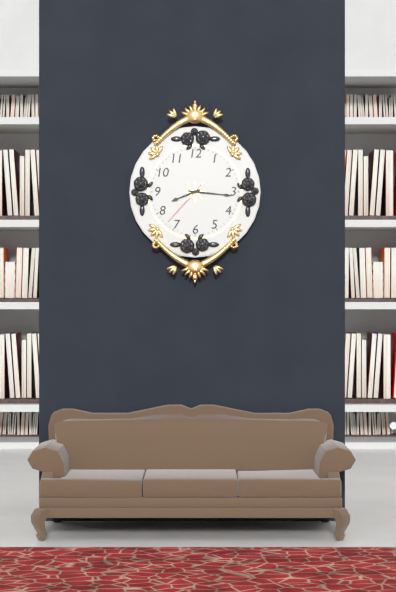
**8:16:37**
